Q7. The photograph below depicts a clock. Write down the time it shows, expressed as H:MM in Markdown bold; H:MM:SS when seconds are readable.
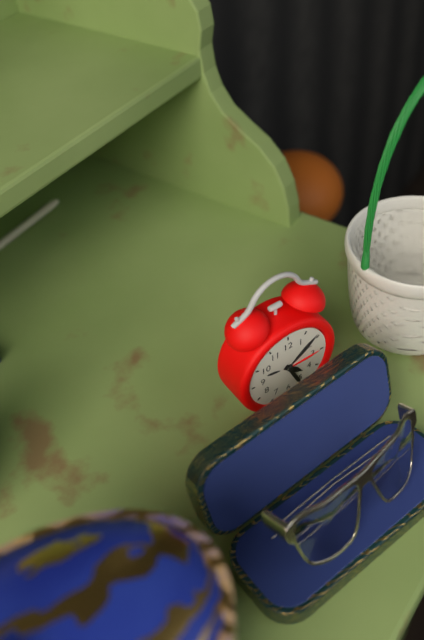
**4:26**
